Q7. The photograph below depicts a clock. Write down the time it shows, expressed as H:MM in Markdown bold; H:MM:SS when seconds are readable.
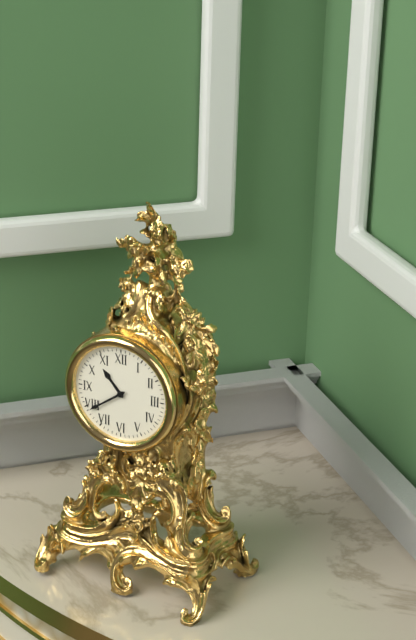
**10:39**
